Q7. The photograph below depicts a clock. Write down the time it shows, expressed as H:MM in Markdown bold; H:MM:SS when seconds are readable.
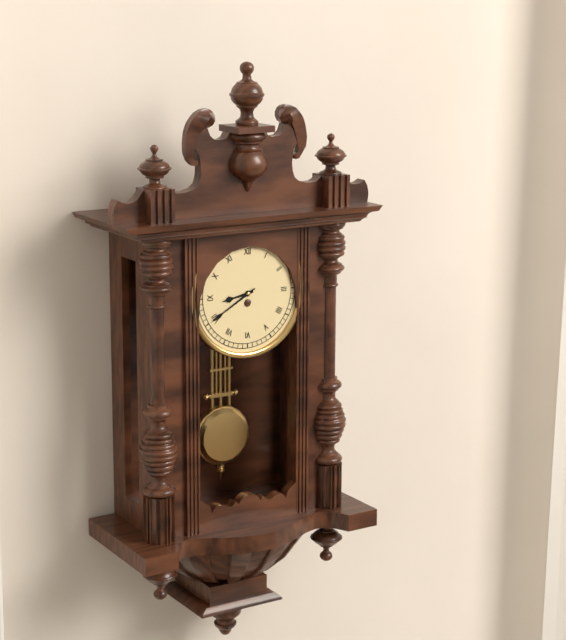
**8:40**
